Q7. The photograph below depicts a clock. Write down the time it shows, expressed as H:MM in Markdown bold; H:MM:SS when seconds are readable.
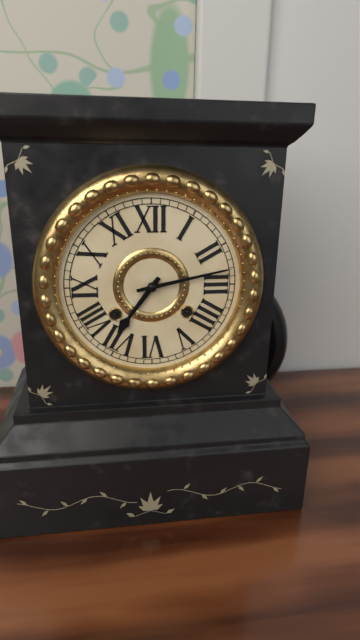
**7:13**
